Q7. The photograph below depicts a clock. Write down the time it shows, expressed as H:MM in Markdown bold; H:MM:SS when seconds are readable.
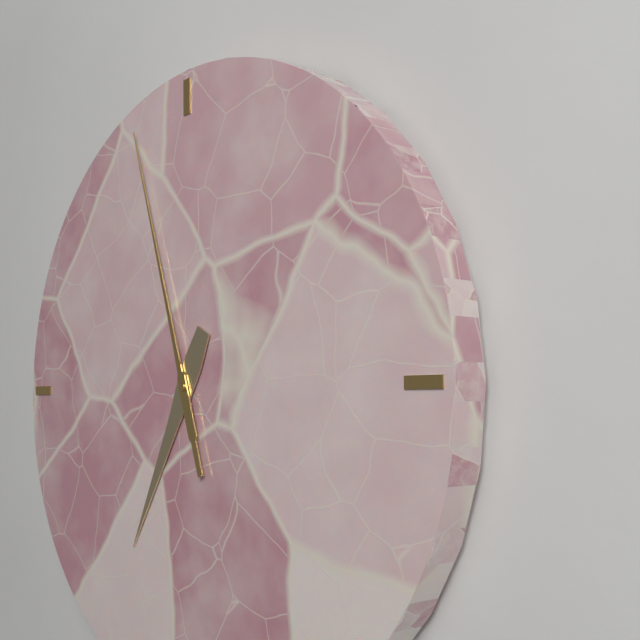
**6:57**
